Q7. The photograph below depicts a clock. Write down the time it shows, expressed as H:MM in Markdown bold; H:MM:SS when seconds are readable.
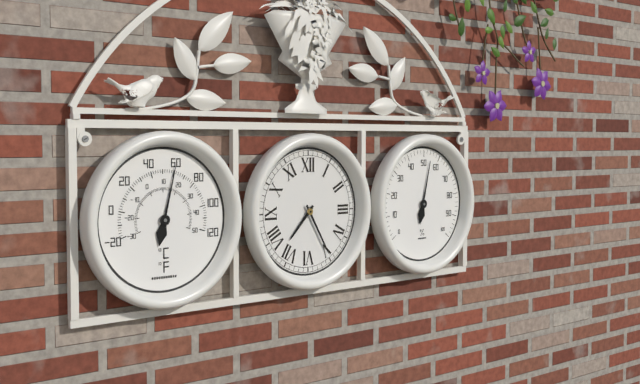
**7:25**
